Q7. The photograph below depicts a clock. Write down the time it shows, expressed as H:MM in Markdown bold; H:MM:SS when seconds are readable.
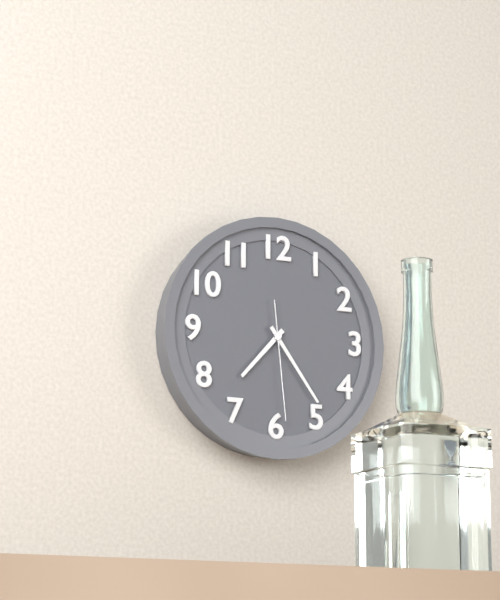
**7:24:29**
